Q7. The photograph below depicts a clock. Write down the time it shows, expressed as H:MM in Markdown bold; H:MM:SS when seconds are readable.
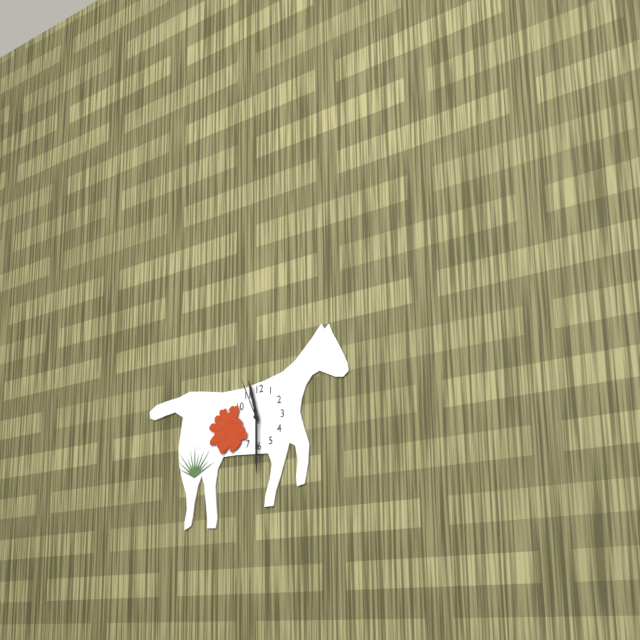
**11:30:56**
